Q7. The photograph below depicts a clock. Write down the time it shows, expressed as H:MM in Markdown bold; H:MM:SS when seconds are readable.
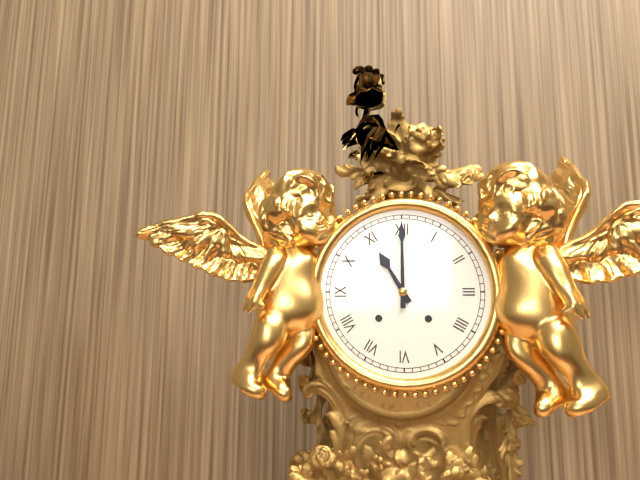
**11:00**
